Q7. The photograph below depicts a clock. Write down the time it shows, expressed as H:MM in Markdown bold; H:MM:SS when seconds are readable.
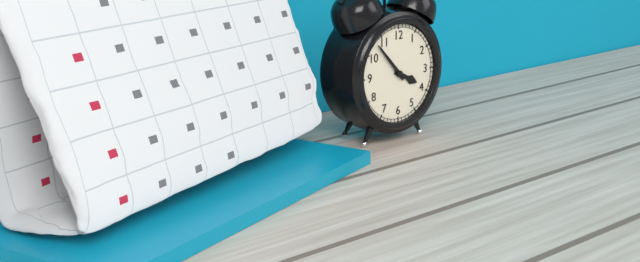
**3:53**
